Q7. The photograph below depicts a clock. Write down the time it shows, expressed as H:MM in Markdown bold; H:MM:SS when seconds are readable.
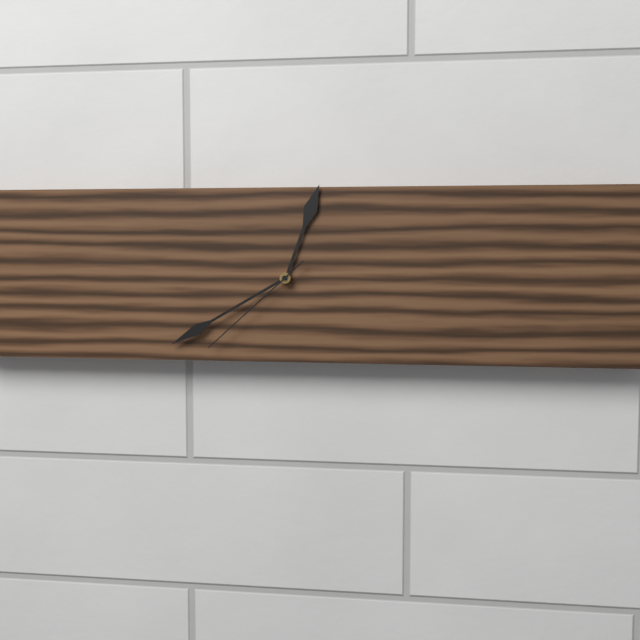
**12:40:38**
